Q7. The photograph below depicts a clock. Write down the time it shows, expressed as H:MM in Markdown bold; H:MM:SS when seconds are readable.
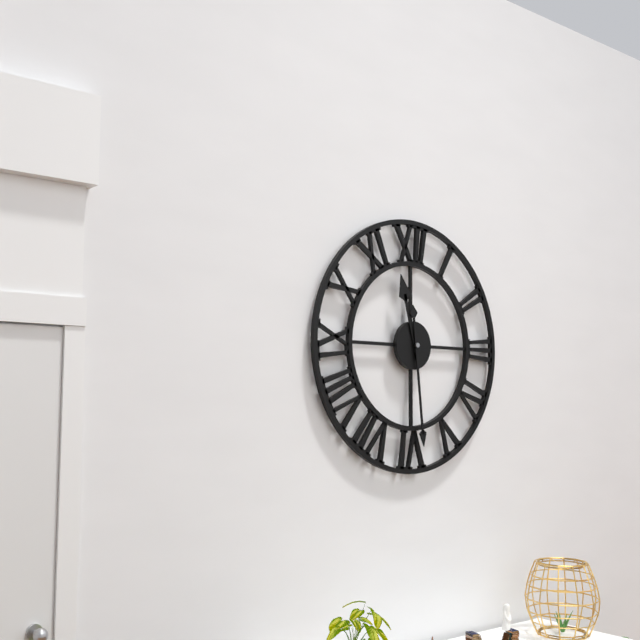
**11:29**
